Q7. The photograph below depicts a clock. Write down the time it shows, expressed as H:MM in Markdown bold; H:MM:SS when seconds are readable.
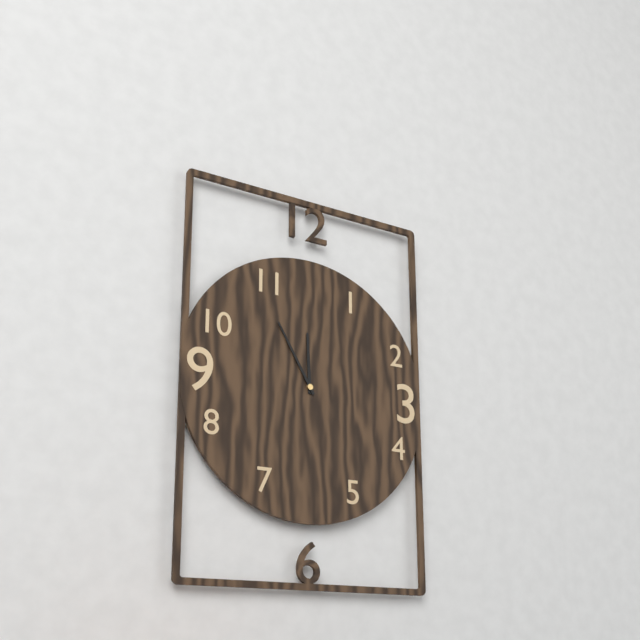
**11:55**
